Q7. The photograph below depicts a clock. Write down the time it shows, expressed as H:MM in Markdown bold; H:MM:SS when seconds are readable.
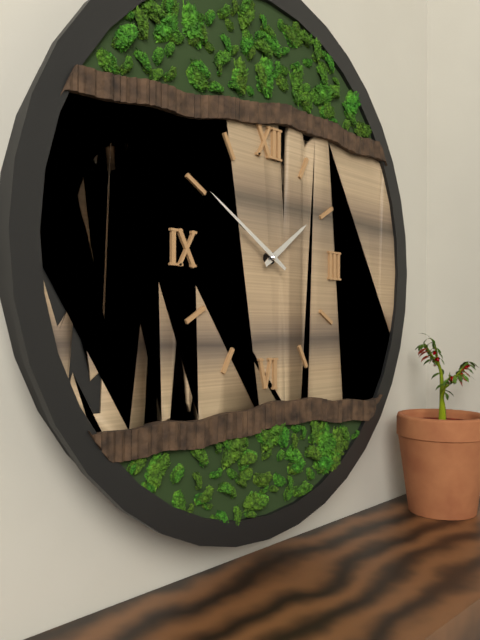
**1:50**
